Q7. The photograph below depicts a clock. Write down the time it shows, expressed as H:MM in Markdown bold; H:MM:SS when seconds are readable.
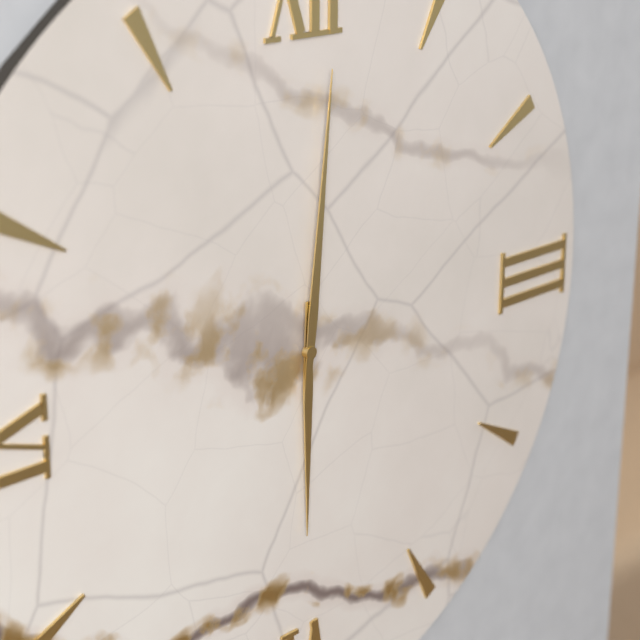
**6:01**
